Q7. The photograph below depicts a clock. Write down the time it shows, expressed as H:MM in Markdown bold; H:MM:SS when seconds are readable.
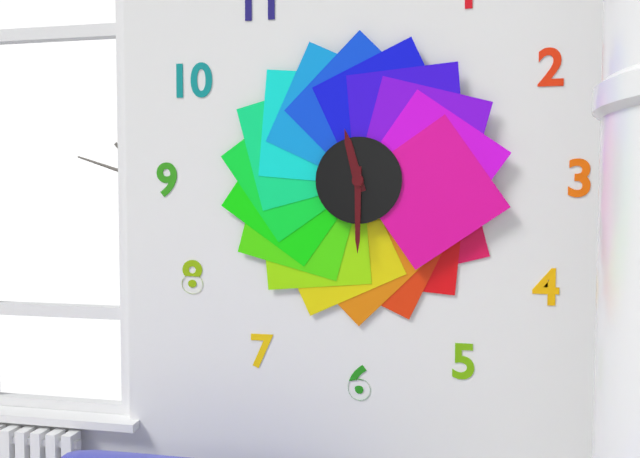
**11:30**
